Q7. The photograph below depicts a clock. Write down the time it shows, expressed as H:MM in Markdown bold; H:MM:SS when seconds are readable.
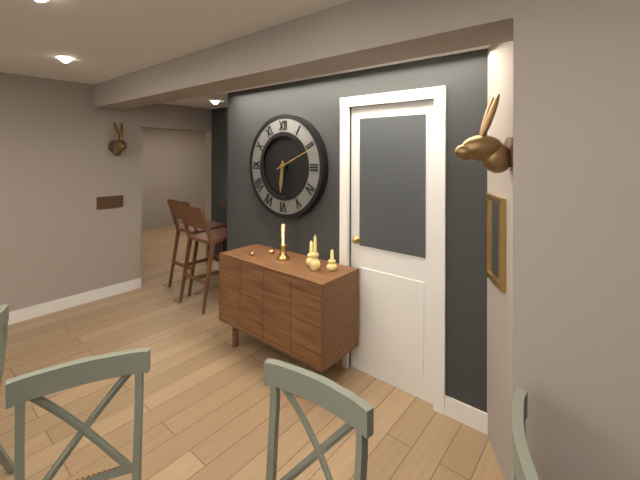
**6:11**
